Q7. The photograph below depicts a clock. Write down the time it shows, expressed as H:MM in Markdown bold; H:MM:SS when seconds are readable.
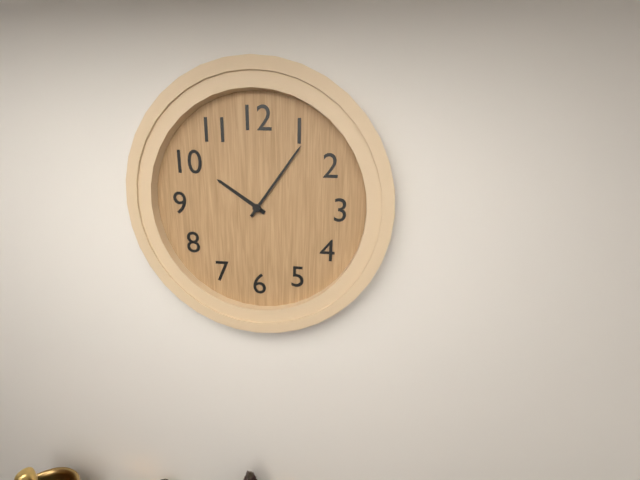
**10:06**
